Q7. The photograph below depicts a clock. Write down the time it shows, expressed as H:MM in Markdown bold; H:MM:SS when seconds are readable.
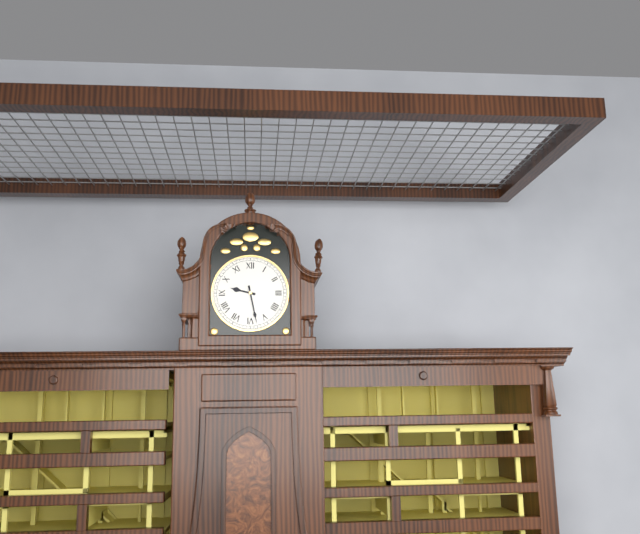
**9:28**
